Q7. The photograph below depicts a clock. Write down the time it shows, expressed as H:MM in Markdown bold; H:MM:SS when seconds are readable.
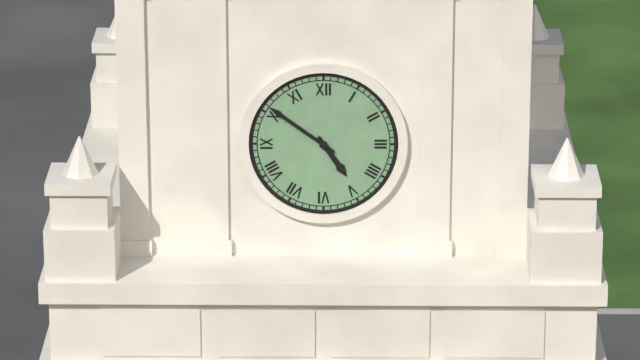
**4:51**
